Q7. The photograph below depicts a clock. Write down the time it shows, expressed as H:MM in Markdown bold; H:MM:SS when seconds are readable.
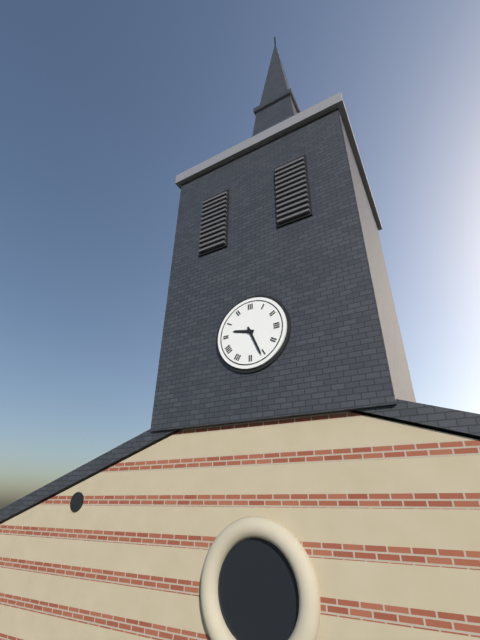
**9:26**
